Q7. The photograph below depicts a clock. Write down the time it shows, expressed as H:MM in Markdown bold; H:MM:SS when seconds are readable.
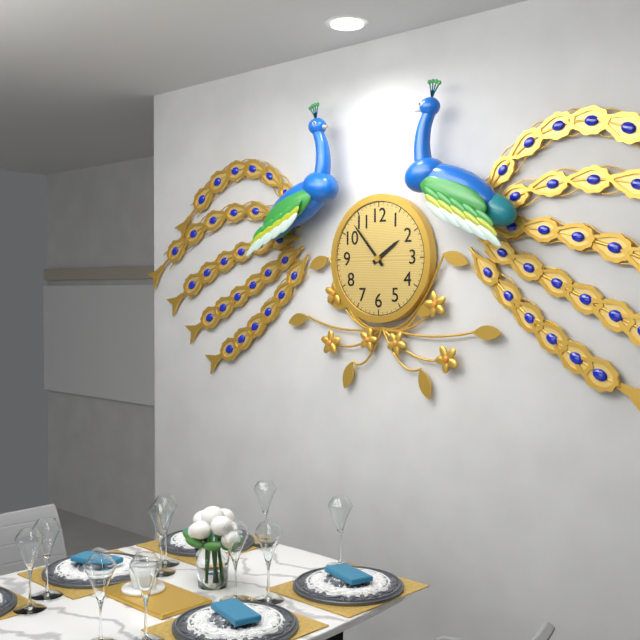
**1:53**
